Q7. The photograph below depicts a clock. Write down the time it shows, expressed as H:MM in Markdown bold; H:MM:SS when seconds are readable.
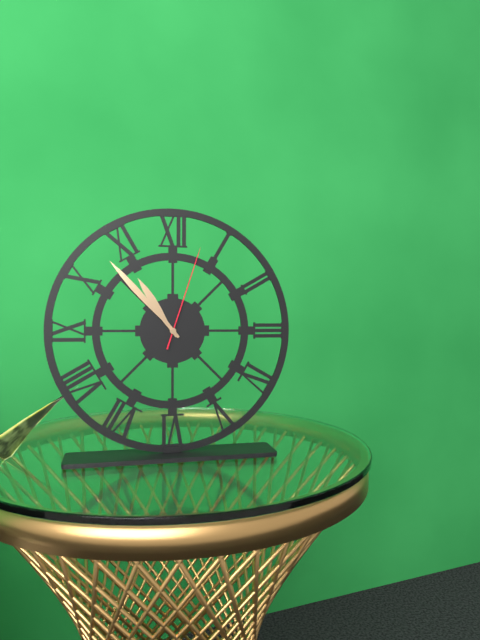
**10:53:03**
